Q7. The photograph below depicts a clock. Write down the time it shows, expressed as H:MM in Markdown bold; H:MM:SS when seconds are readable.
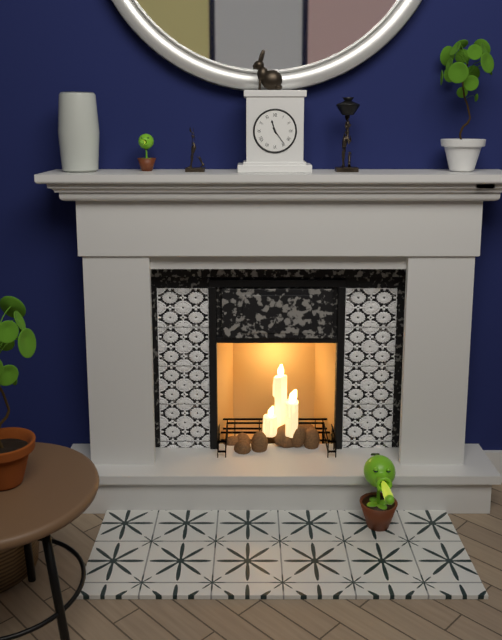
**11:24**
